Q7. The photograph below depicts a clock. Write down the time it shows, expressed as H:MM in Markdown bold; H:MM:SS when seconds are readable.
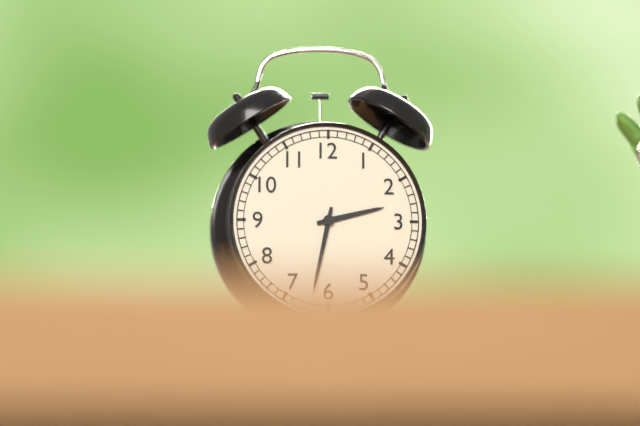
**2:32**
